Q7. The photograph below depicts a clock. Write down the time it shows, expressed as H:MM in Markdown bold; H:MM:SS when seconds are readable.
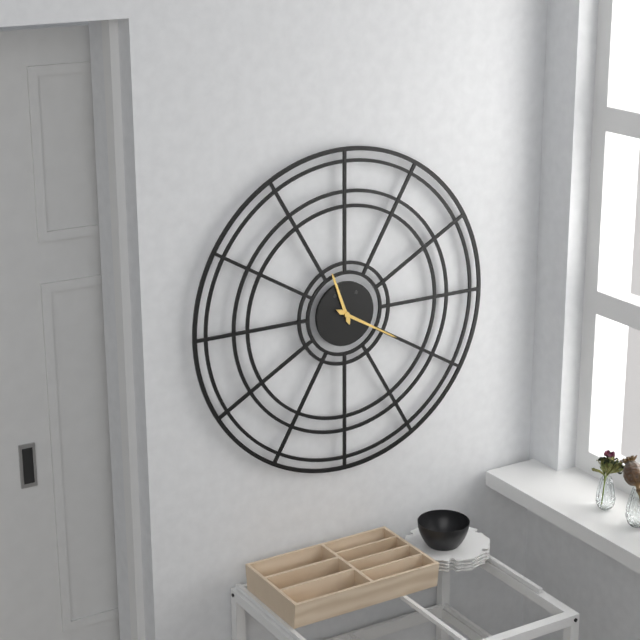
**11:20**
